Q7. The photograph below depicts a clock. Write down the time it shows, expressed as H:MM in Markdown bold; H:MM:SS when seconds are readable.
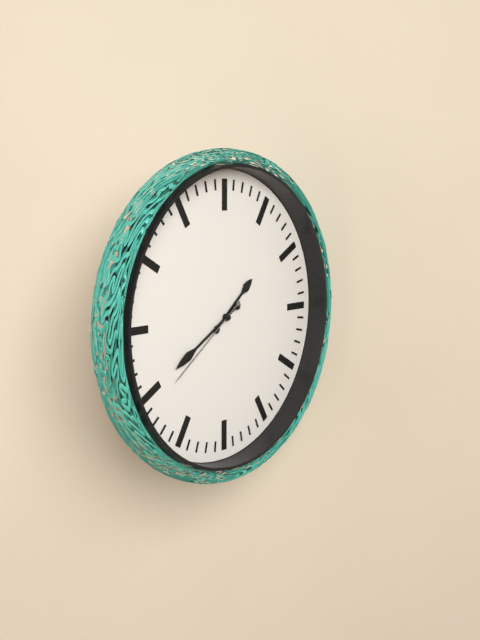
**1:40:39**
